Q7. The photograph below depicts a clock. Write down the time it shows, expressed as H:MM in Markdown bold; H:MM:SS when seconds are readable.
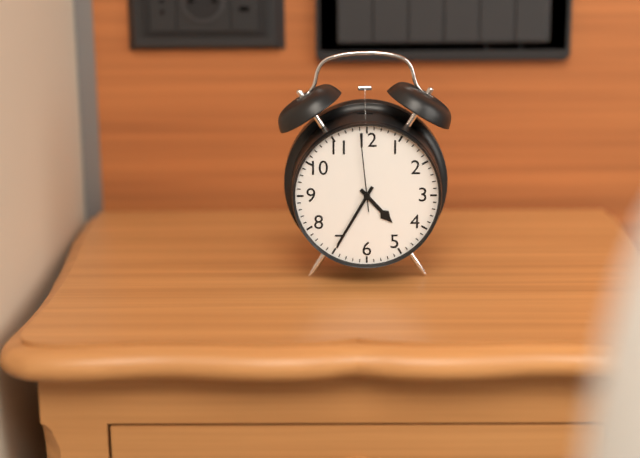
**4:35:59**
